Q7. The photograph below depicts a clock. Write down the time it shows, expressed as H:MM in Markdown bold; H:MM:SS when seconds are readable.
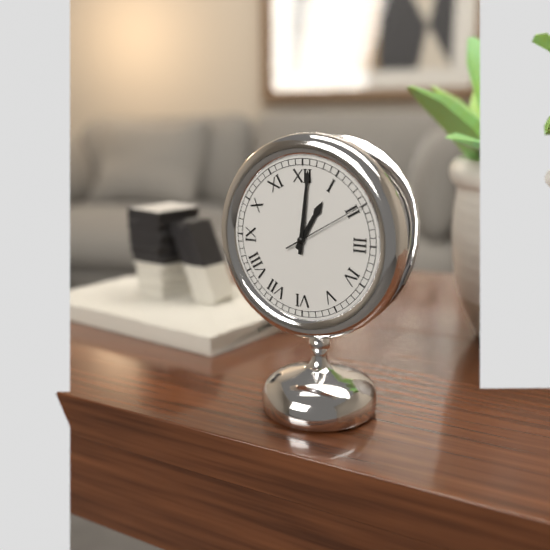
**1:01:10**
